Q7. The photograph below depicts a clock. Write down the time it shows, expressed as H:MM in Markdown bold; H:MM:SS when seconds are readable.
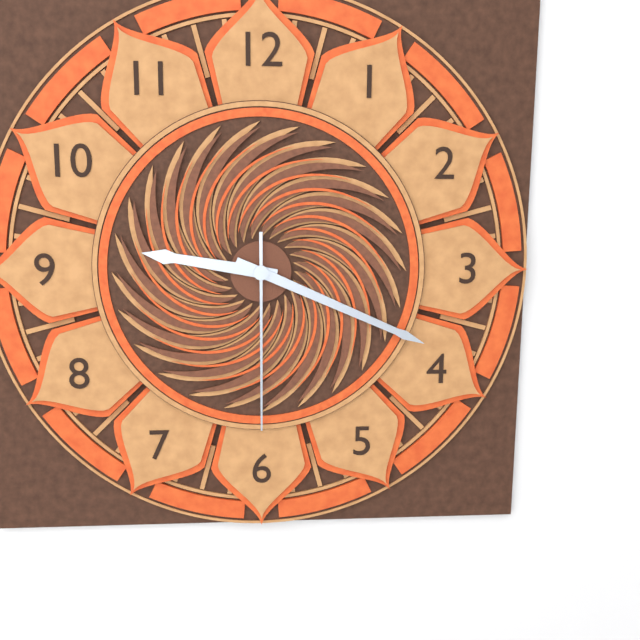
**9:19:30**
